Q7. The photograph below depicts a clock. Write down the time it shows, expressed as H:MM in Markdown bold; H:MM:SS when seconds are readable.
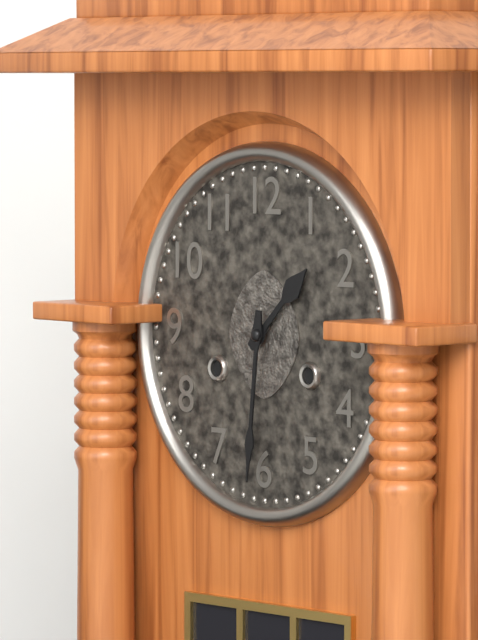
**1:31**
